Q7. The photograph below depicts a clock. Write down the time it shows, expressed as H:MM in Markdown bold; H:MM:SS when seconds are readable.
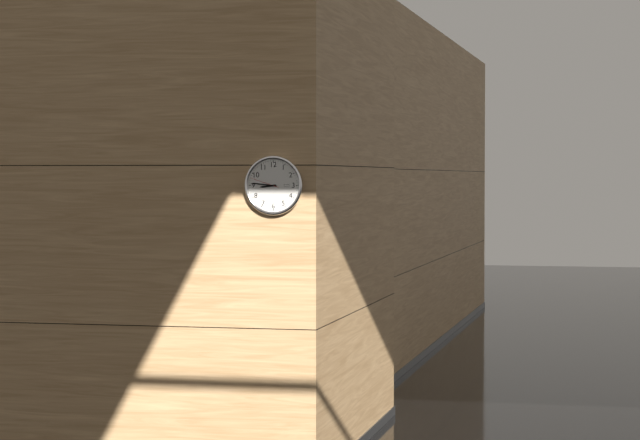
**8:46**
